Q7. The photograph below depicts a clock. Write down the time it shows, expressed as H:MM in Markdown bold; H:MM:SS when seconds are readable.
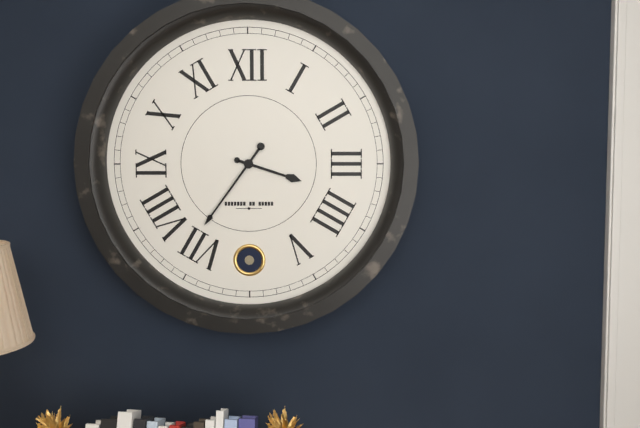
**3:36**
